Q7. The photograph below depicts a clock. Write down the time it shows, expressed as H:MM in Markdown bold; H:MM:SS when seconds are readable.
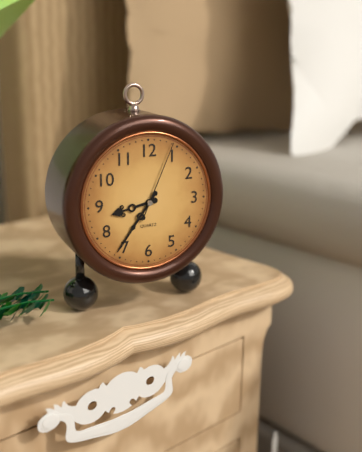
**8:36:04**
